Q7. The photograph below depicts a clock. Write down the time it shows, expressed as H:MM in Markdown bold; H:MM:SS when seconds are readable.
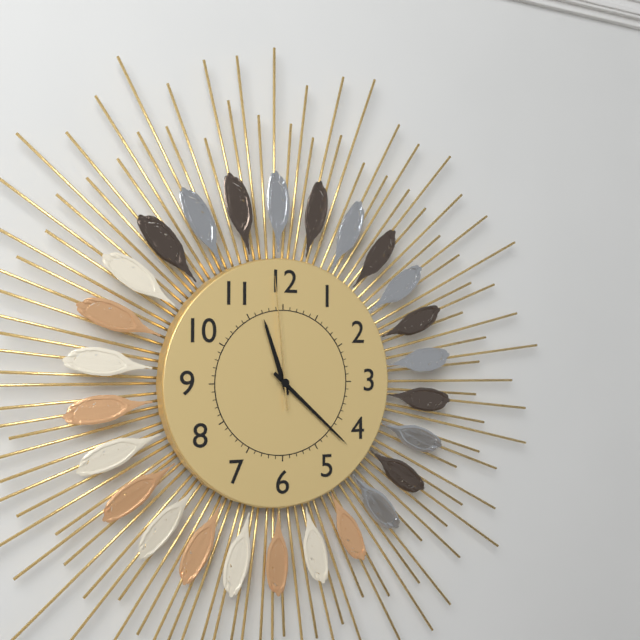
**11:22:59**
